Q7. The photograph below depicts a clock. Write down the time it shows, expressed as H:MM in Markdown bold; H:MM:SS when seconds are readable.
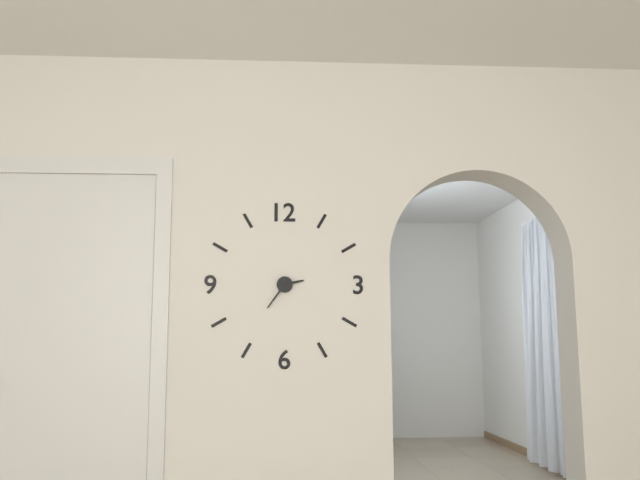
**2:36**
